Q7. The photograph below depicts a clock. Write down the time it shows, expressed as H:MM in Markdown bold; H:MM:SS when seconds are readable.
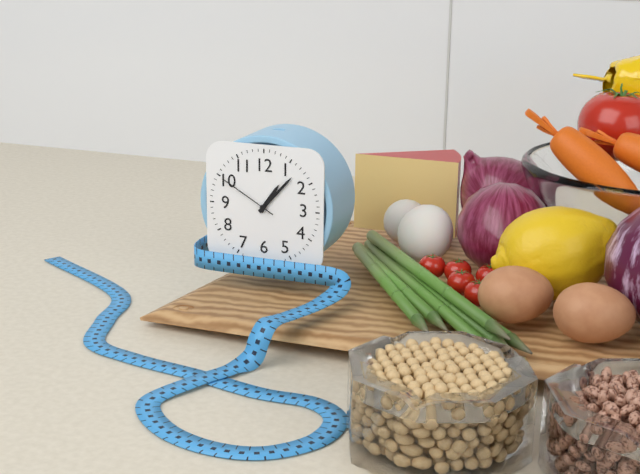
**1:07:50**
